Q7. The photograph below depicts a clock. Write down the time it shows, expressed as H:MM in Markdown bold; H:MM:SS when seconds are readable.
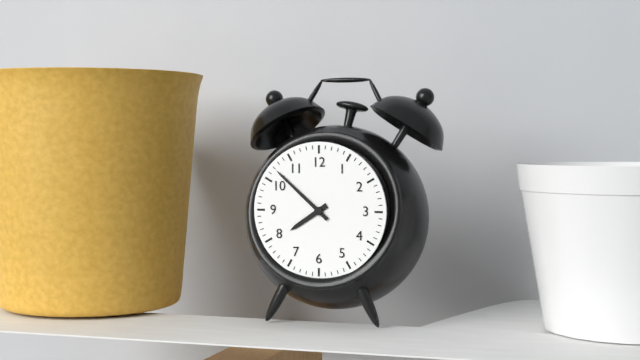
**7:52**
